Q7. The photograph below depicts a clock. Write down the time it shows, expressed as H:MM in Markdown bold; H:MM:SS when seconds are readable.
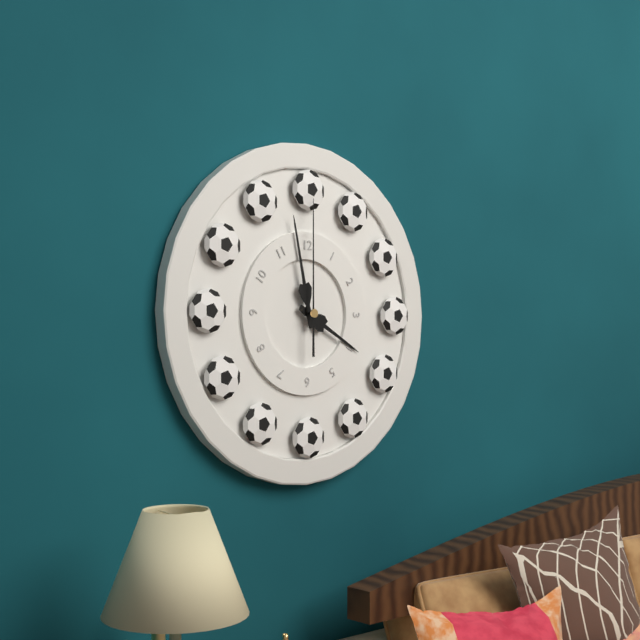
**3:58:00**
